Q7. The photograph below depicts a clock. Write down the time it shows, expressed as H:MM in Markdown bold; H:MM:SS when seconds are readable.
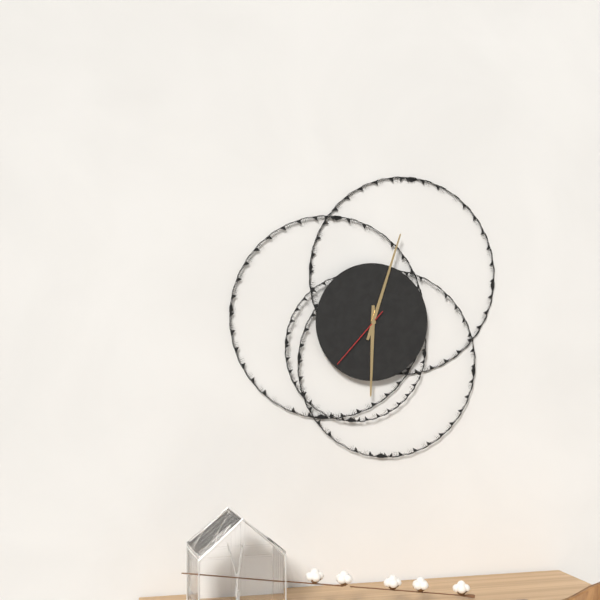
**6:03:37**
